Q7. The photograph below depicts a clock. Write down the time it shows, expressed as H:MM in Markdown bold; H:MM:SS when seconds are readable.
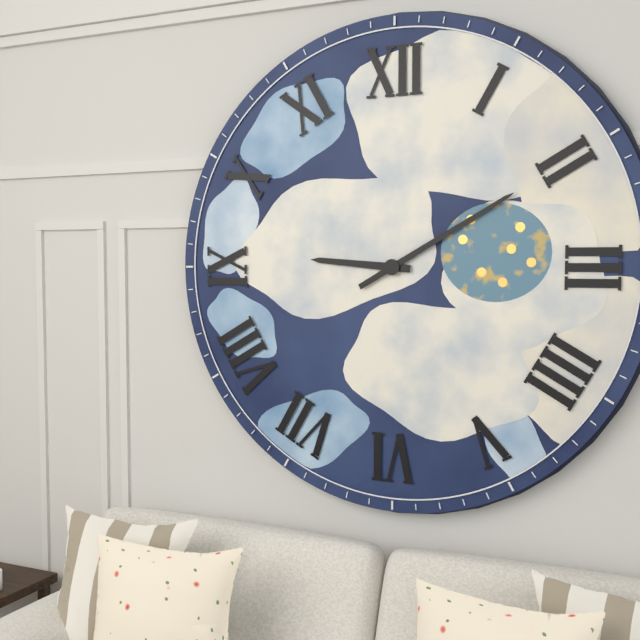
**9:10**
